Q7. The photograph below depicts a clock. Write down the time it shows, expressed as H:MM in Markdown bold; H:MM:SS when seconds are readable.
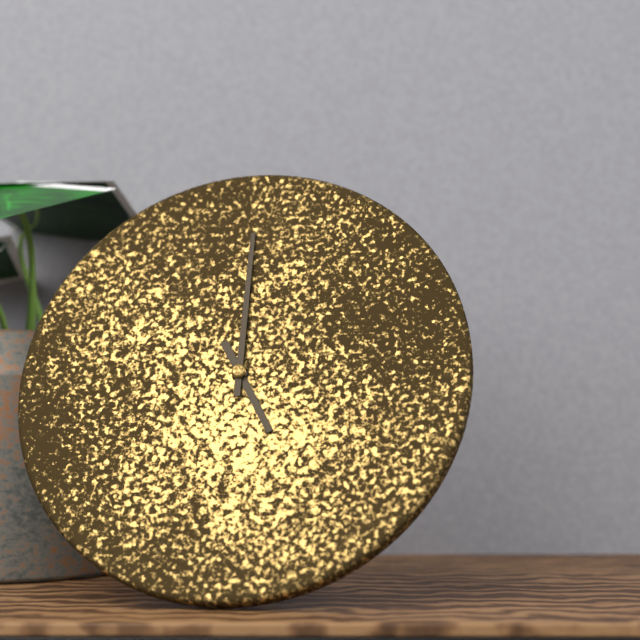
**5:00**
